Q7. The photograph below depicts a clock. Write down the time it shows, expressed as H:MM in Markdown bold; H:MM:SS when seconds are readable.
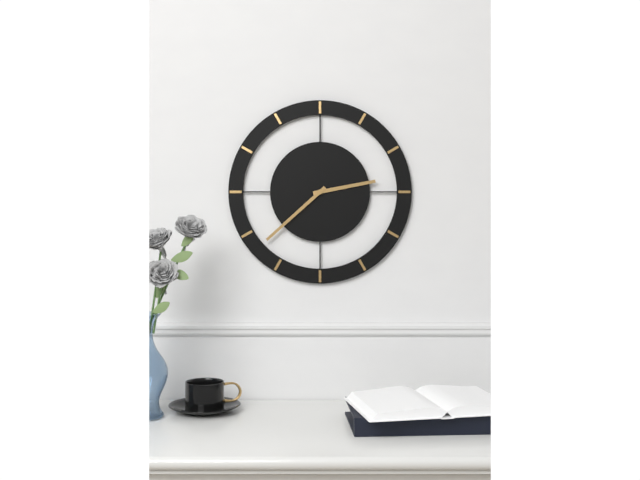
**2:38**
